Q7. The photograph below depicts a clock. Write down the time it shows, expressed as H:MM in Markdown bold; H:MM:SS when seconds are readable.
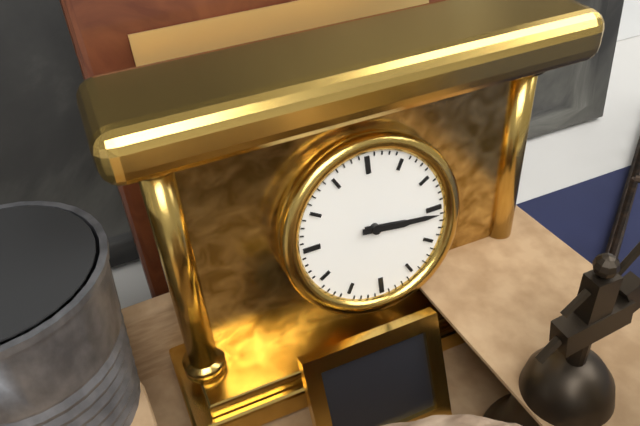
**3:16**
